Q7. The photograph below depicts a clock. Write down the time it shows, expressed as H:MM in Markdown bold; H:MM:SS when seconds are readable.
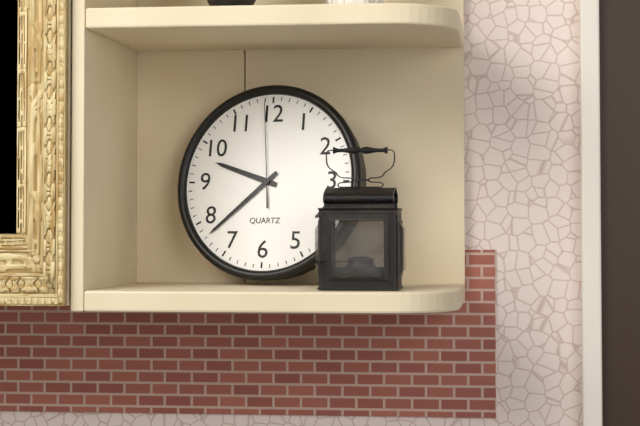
**9:38:59**
